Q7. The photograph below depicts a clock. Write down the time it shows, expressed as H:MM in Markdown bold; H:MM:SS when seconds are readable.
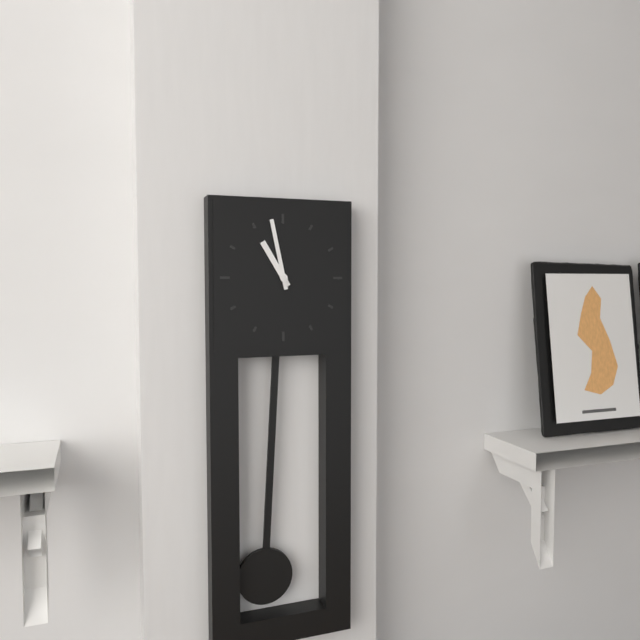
**10:58**
